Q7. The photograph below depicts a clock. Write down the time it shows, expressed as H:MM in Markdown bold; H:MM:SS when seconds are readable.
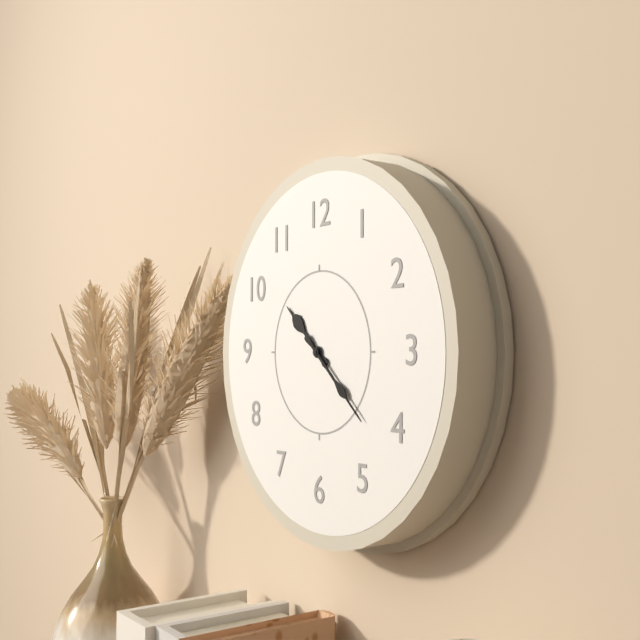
**10:22**
